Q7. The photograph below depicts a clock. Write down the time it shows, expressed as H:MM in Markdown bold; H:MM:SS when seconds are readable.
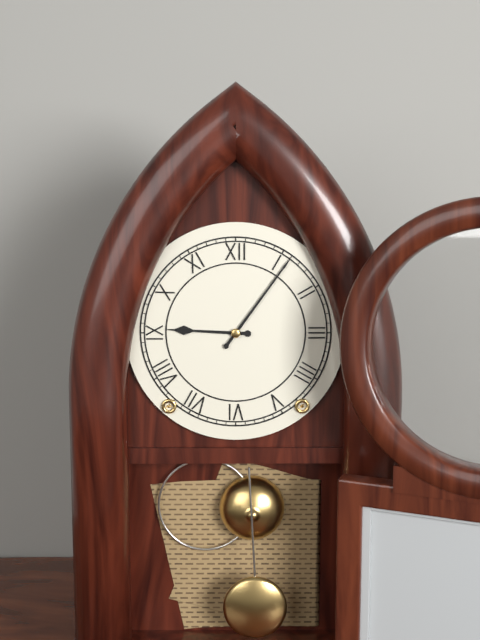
**9:06**
